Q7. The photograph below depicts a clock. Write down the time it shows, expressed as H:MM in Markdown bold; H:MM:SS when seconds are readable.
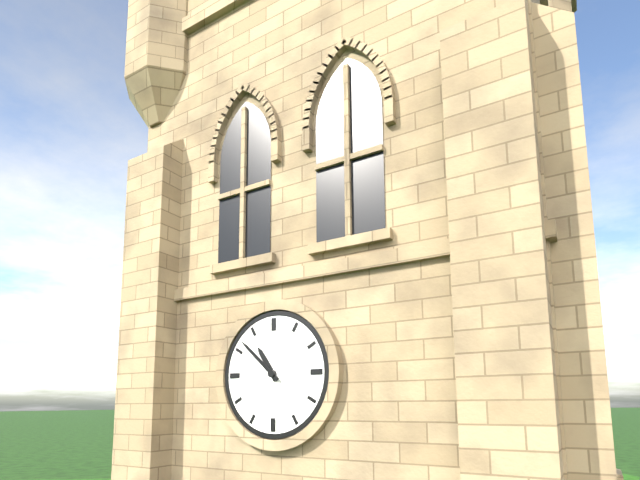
**10:52**
